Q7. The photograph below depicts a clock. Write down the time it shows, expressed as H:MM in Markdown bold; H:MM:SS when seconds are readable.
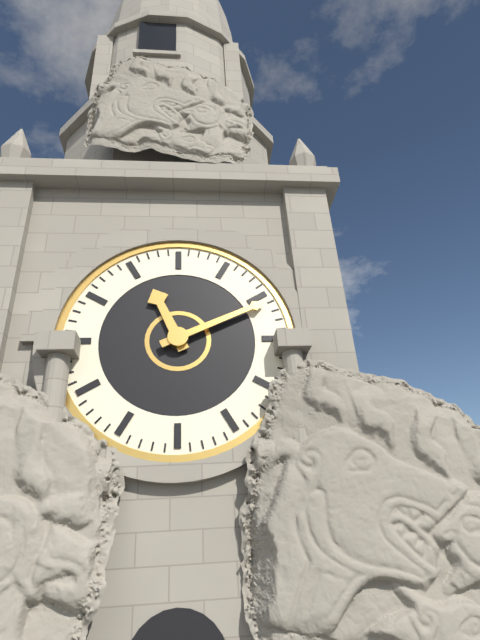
**11:11**
